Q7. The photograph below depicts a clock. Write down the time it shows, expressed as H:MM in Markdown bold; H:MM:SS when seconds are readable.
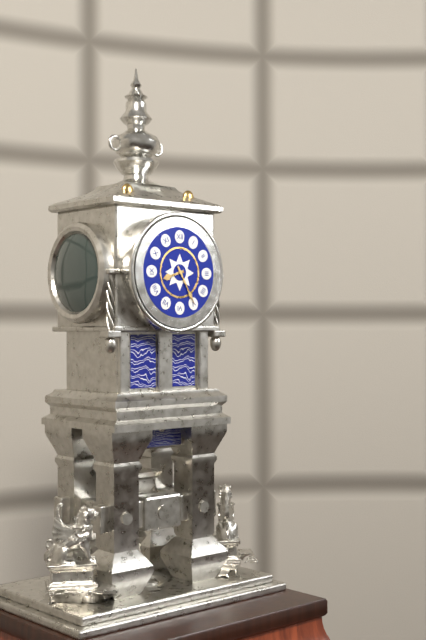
**8:25**
